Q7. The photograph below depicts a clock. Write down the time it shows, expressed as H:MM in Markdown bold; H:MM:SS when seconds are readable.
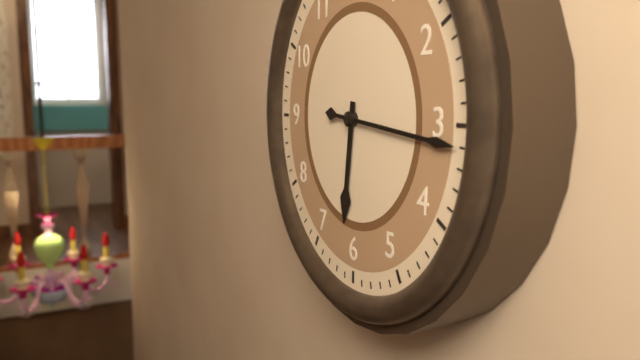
**6:16**
